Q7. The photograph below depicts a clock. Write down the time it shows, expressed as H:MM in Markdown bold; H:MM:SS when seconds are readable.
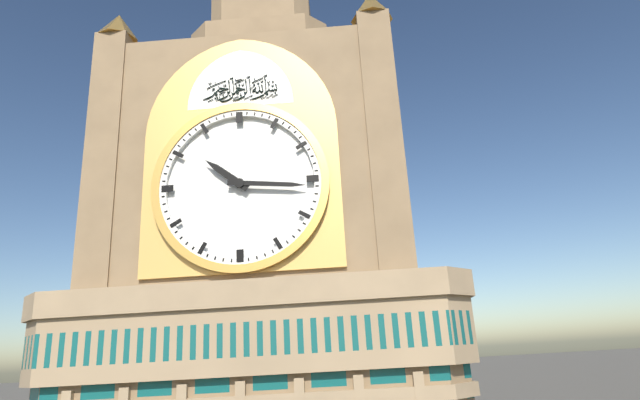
**10:16**
